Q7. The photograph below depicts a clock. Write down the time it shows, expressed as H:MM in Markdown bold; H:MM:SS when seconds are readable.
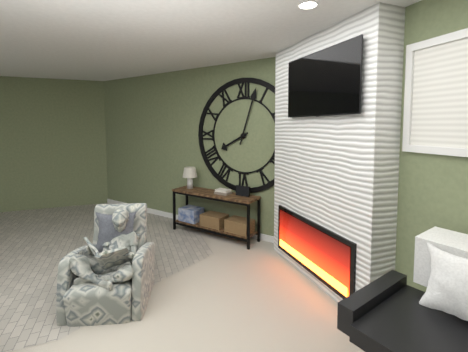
**8:03**
